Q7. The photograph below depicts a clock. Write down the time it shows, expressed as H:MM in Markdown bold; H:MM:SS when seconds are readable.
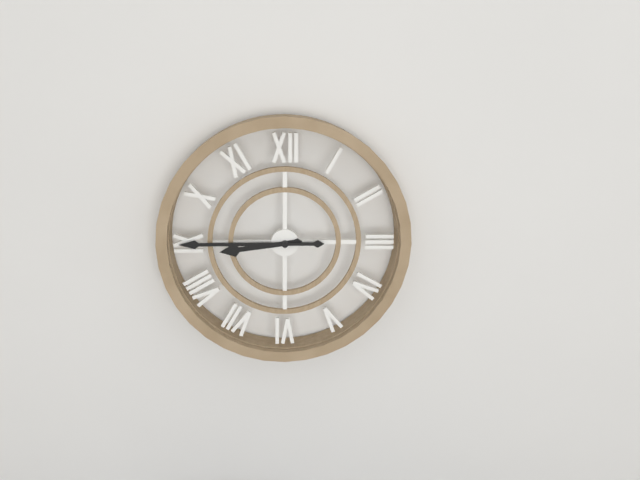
**8:45**
